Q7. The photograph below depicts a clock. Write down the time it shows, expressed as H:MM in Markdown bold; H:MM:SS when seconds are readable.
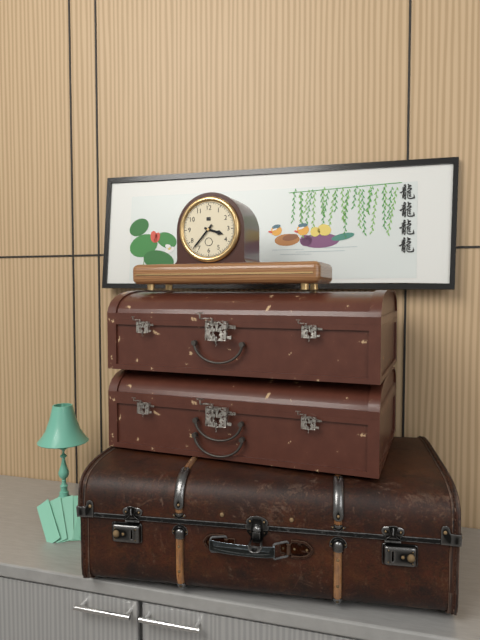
**3:37**
